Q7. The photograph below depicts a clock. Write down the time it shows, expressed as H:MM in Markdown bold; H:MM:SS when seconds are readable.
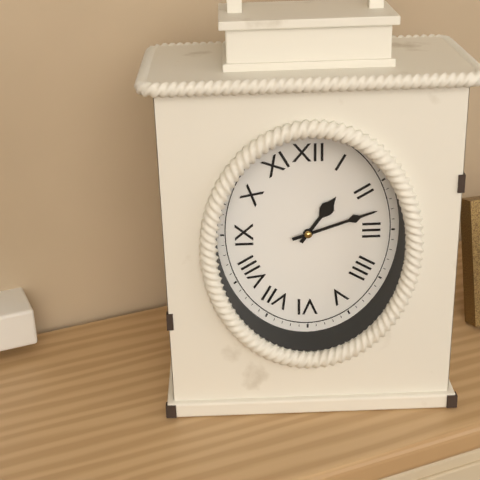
**1:12**
